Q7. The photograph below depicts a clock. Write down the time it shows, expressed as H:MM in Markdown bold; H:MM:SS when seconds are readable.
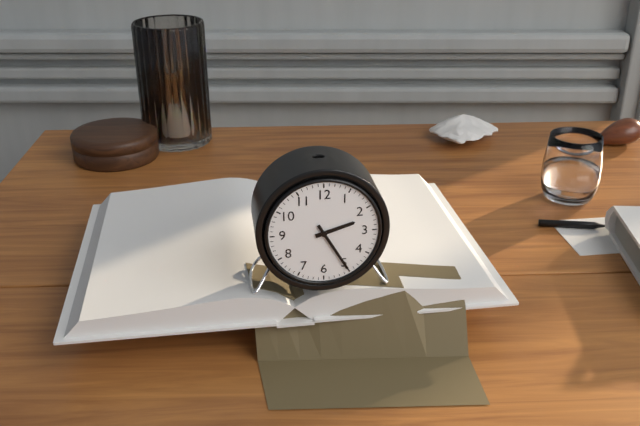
**2:25**
